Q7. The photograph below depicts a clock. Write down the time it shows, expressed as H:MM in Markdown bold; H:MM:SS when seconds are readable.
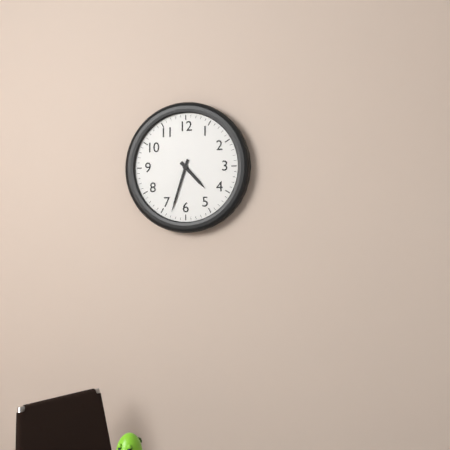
**4:33**
